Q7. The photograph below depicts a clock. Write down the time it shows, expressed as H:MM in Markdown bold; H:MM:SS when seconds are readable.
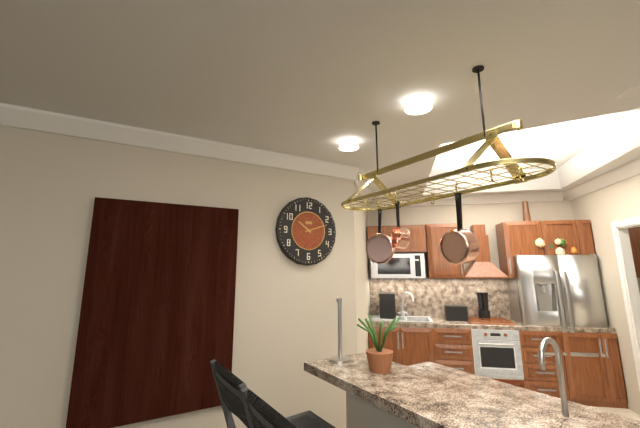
**10:12**
